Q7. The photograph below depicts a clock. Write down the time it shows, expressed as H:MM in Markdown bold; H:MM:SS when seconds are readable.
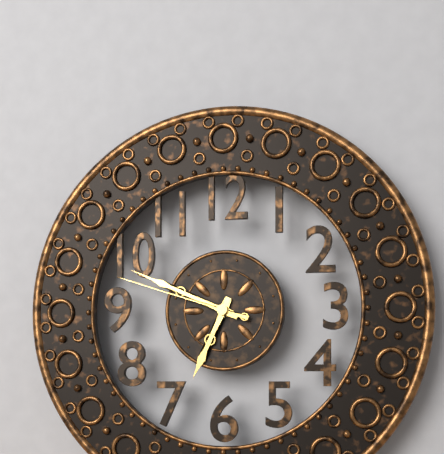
**6:49:48**
